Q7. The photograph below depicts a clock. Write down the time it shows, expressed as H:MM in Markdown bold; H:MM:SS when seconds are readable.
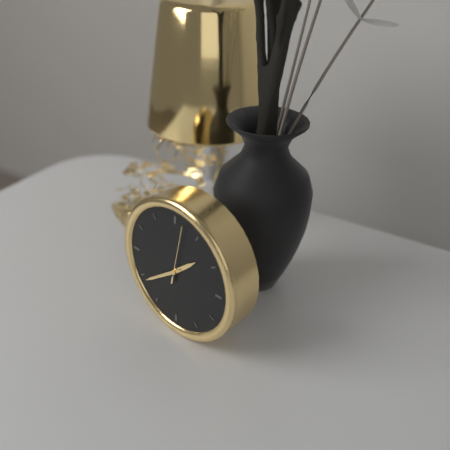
**1:39**
